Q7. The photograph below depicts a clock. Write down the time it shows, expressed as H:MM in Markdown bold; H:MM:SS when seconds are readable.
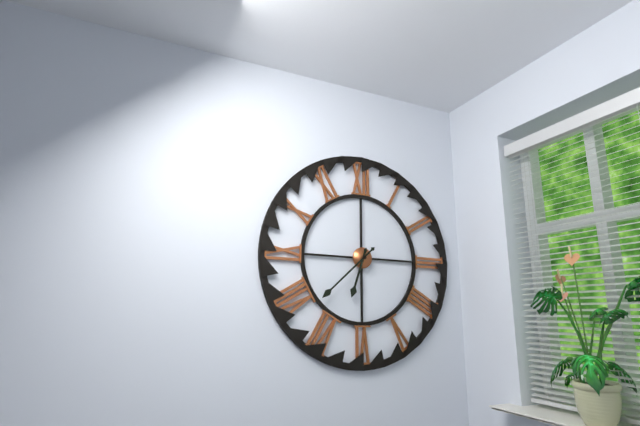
**6:38**
